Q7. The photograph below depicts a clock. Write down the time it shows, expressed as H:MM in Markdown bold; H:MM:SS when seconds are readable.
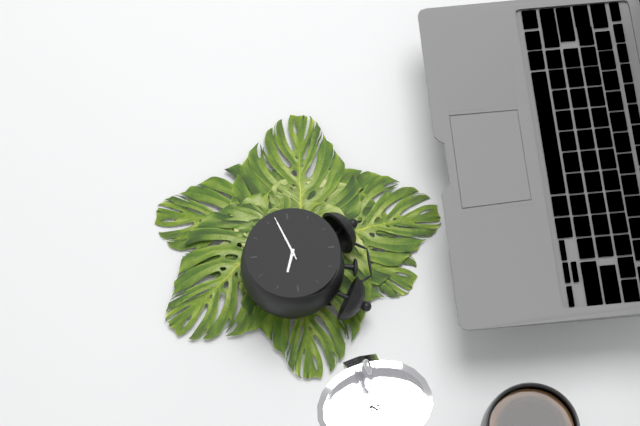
**3:42**
